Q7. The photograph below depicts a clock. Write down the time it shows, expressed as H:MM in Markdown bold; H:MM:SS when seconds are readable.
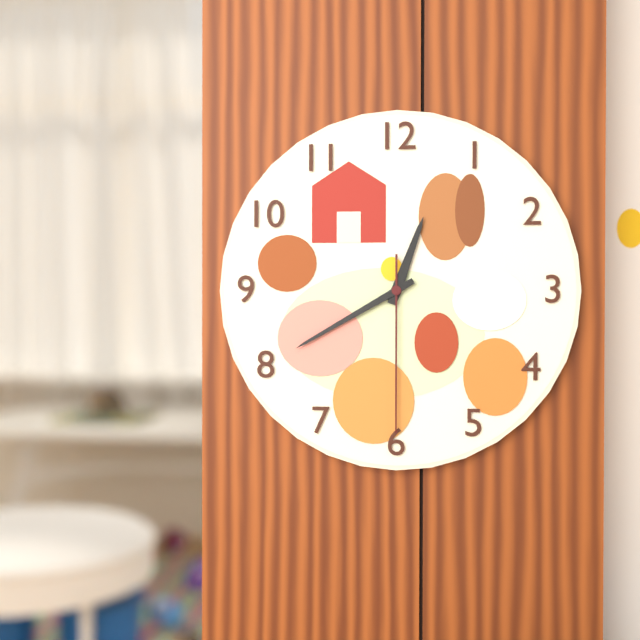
**12:40:30**
